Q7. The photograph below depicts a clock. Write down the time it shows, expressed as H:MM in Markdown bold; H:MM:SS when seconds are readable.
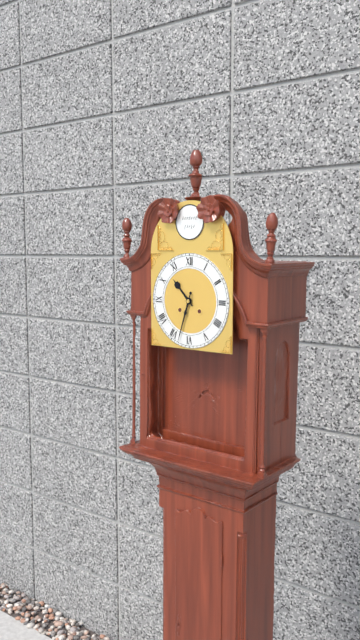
**10:33**
